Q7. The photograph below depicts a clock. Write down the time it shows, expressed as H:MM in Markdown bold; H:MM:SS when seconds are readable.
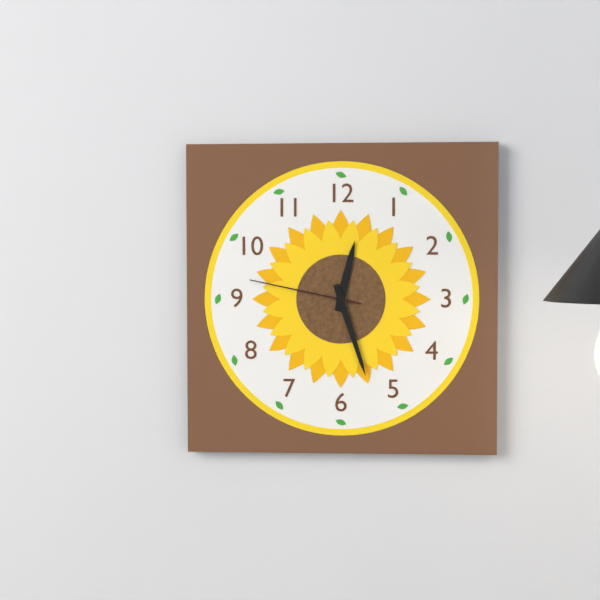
**12:27:47**
